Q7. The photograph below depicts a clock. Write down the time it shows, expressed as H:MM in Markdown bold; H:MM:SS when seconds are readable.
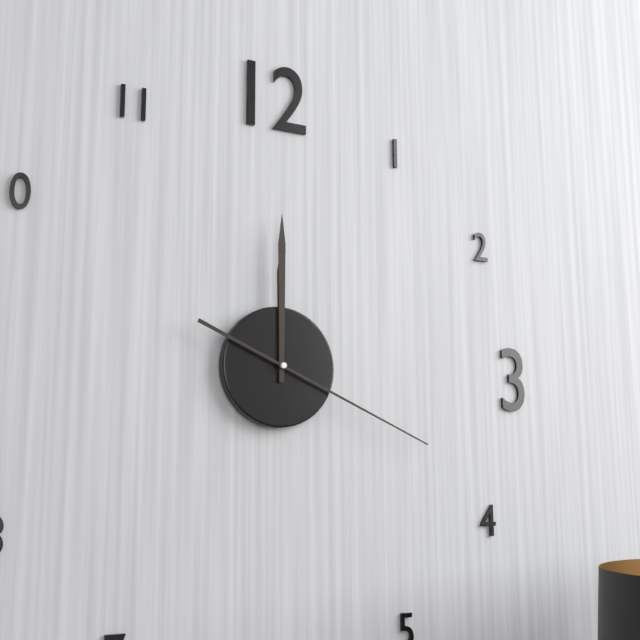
**12:00:19**
